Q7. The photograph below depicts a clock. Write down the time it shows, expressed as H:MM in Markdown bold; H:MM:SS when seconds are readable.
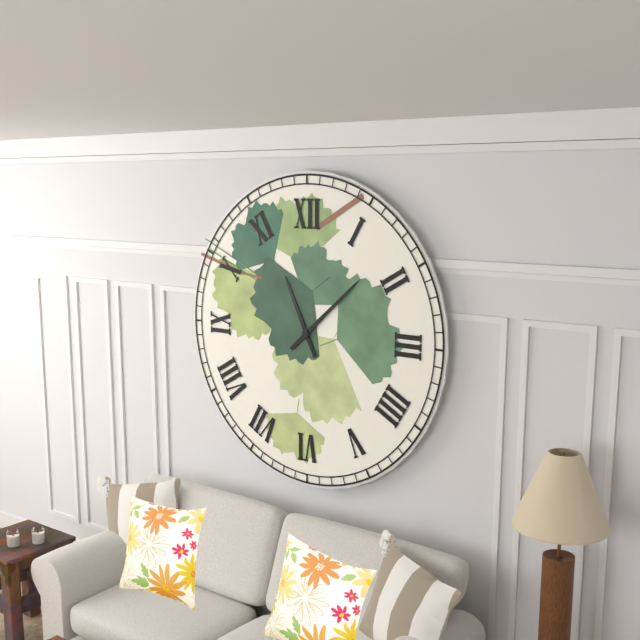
**11:08**
